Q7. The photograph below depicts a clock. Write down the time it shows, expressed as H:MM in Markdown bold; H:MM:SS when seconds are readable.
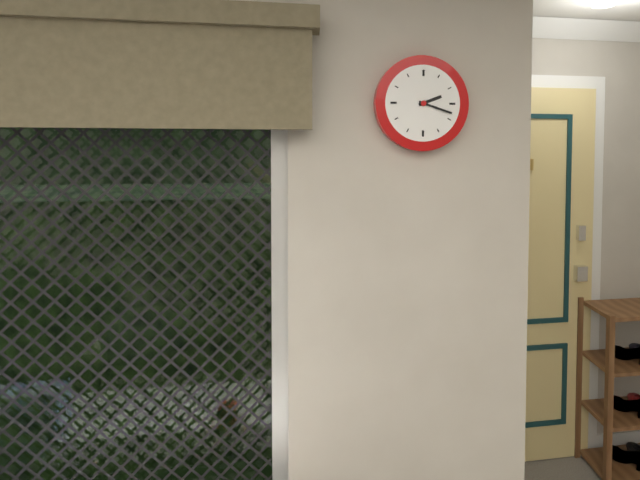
**2:18**
